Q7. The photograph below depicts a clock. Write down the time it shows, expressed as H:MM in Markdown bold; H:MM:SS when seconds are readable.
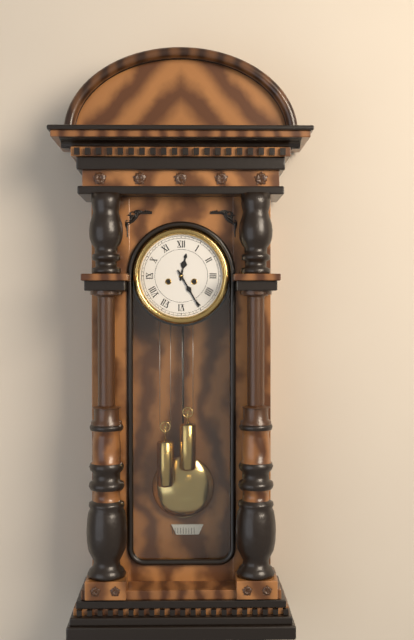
**12:25**
